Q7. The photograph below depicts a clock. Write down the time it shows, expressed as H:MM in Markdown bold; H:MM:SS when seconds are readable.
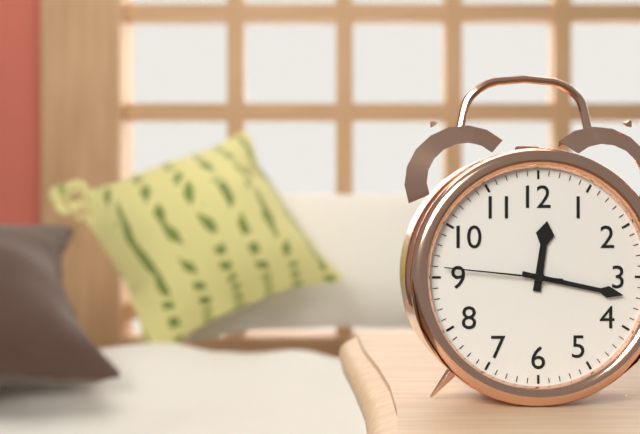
**12:17:46**
